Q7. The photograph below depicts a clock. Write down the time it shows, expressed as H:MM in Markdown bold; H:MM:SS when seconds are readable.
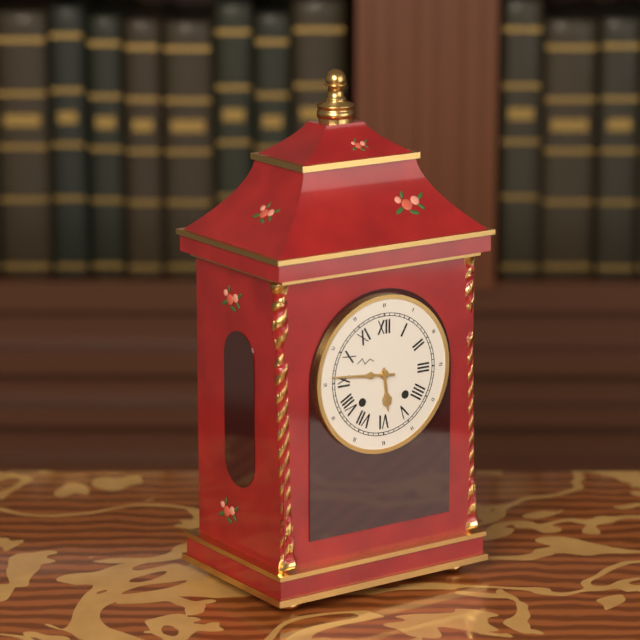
**5:46**
